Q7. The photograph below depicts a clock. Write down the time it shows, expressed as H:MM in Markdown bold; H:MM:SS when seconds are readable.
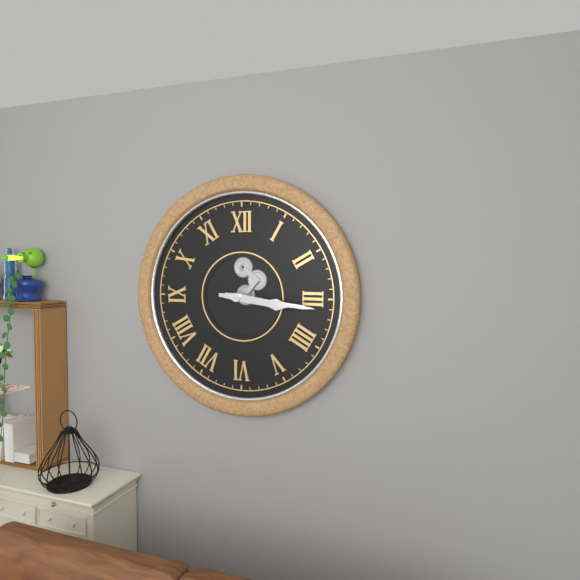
**3:16**
